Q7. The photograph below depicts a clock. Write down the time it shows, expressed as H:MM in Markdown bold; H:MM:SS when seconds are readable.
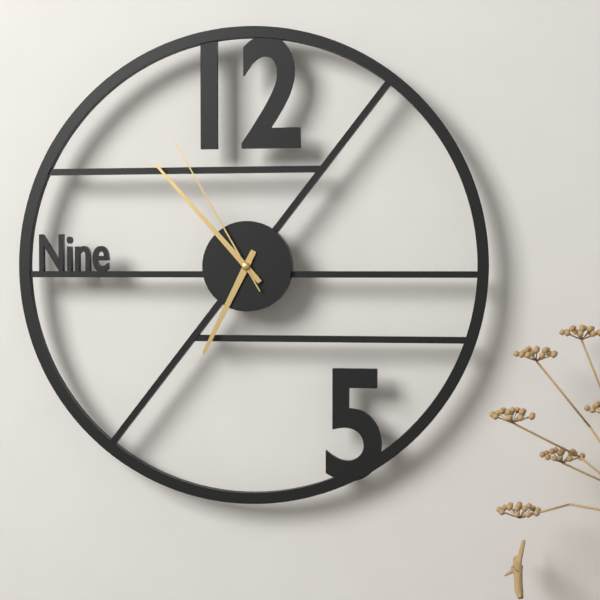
**6:53:55**
